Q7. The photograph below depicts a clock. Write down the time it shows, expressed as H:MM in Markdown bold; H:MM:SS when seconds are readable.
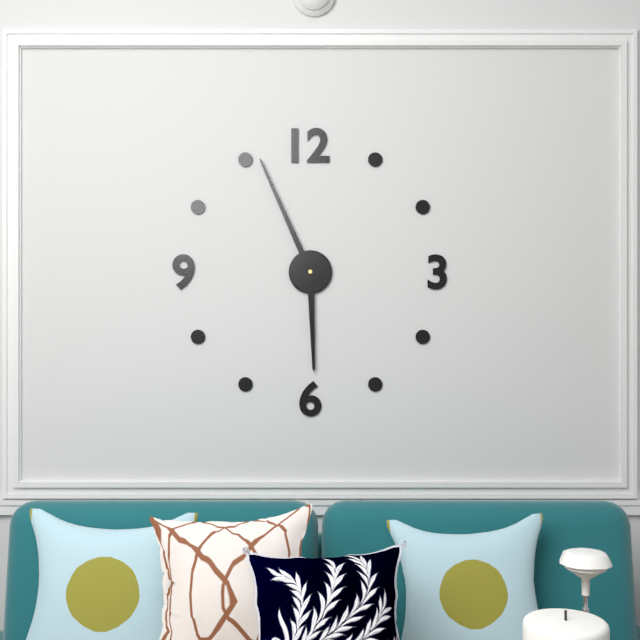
**5:56**
